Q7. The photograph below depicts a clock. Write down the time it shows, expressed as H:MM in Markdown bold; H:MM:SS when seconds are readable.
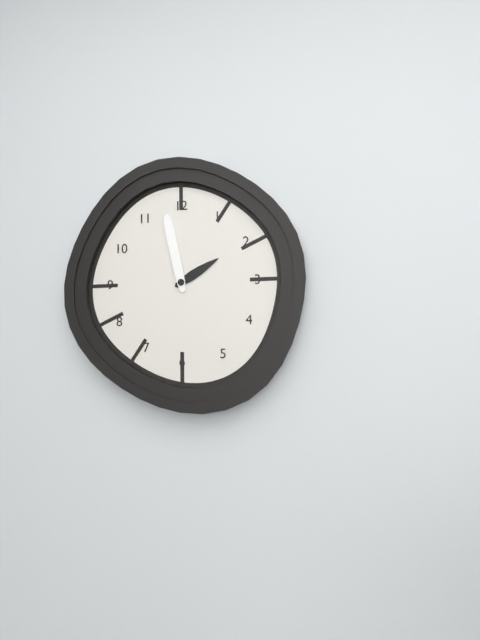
**1:58**
